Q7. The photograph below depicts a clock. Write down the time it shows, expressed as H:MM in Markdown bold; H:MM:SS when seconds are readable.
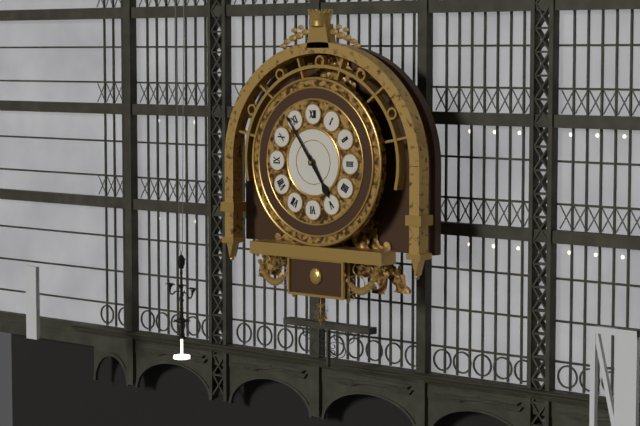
**4:54**
